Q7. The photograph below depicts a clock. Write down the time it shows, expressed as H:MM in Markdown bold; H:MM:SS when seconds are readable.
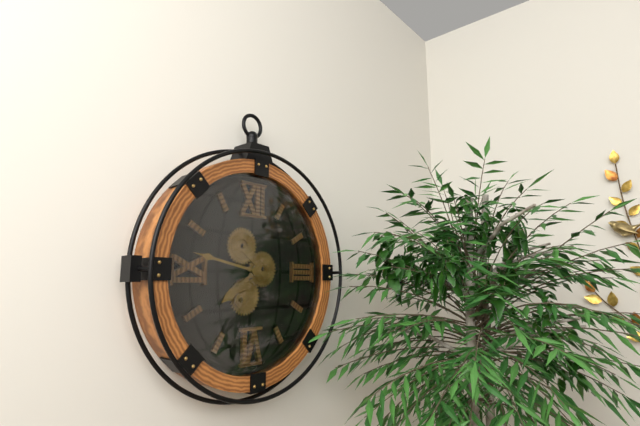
**7:47**
